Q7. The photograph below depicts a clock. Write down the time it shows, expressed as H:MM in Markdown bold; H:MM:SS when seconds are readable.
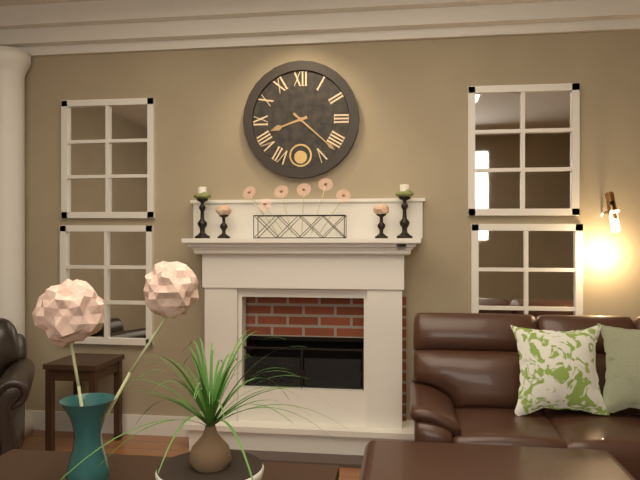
**8:22**
